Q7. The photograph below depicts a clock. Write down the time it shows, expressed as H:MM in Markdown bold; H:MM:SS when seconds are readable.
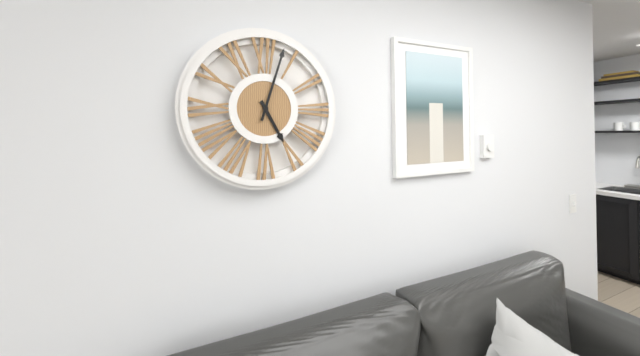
**5:03**
